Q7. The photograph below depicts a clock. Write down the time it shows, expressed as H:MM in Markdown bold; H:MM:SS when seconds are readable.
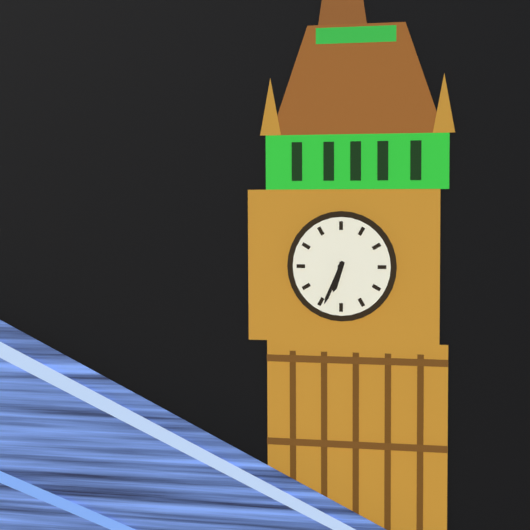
**6:34**
